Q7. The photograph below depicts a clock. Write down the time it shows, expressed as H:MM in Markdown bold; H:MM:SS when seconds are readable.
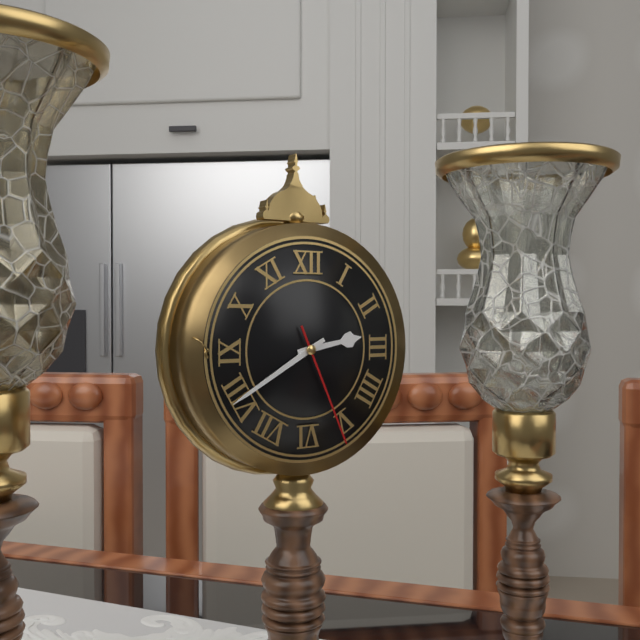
**2:40:26**
